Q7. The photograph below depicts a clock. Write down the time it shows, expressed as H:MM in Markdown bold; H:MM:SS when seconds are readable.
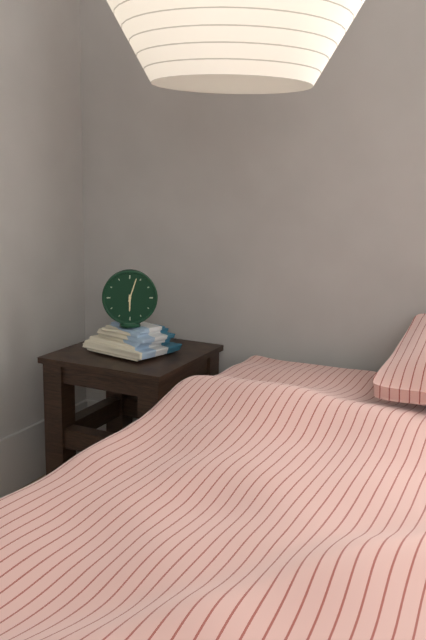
**6:03**
